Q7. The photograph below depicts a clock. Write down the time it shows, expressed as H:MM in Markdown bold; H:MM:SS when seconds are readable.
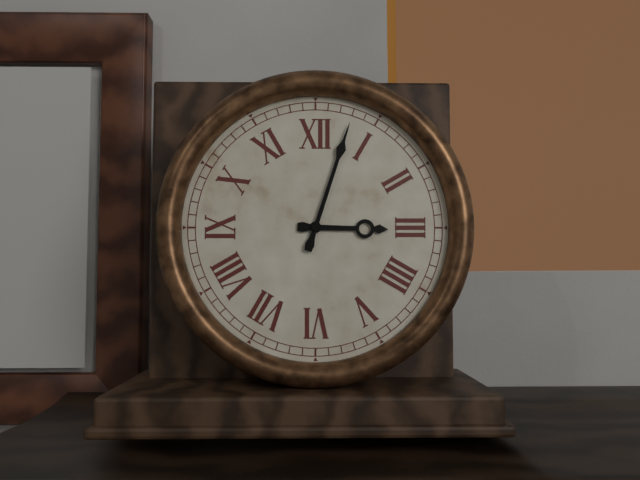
**3:03**
